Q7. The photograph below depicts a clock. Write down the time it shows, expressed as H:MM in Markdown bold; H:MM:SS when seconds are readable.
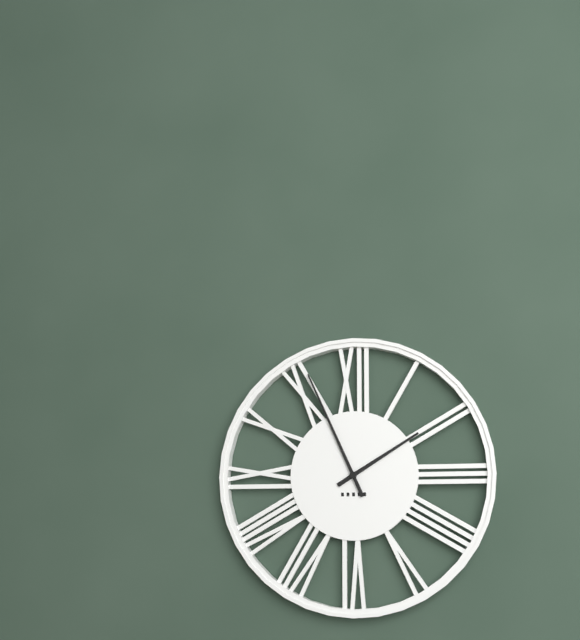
**1:56**
